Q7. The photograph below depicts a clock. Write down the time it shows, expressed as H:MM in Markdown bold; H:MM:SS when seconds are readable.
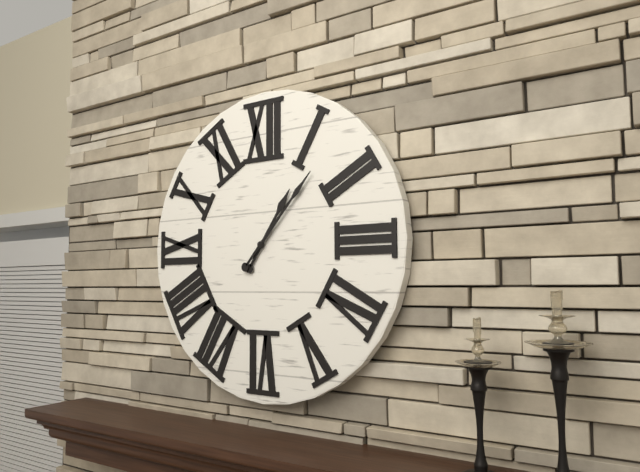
**1:07**
